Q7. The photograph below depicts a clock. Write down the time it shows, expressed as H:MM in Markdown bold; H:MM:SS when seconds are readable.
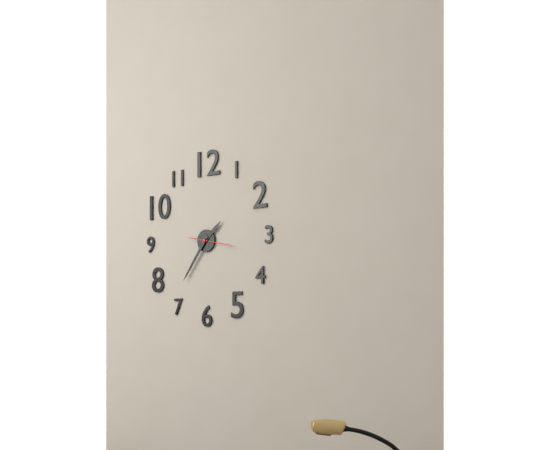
**1:36**
